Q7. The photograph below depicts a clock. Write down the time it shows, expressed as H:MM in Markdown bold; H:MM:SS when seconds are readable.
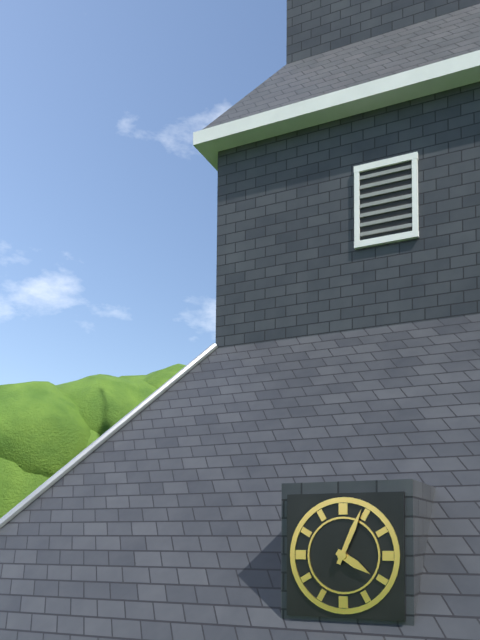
**4:04**
